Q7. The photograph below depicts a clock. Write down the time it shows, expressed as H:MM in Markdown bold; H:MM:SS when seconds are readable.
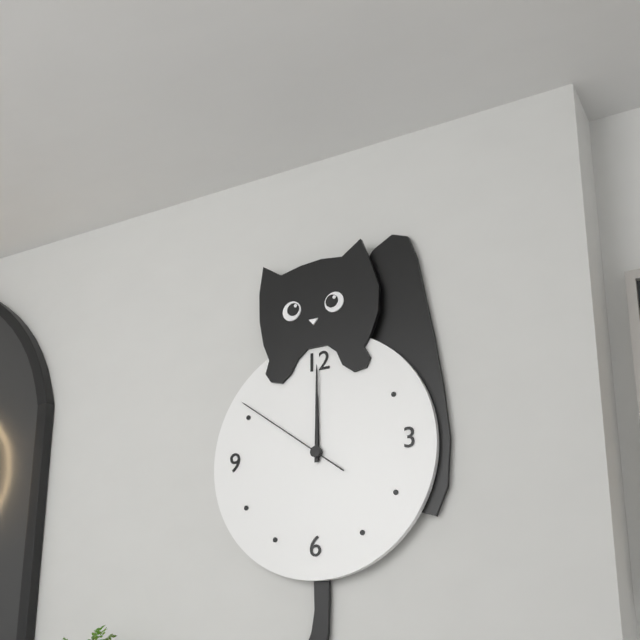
**12:00:51**
